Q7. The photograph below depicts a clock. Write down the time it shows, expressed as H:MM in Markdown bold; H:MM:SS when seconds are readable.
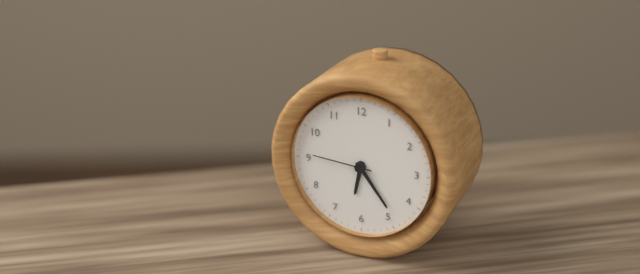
**6:24:46**
